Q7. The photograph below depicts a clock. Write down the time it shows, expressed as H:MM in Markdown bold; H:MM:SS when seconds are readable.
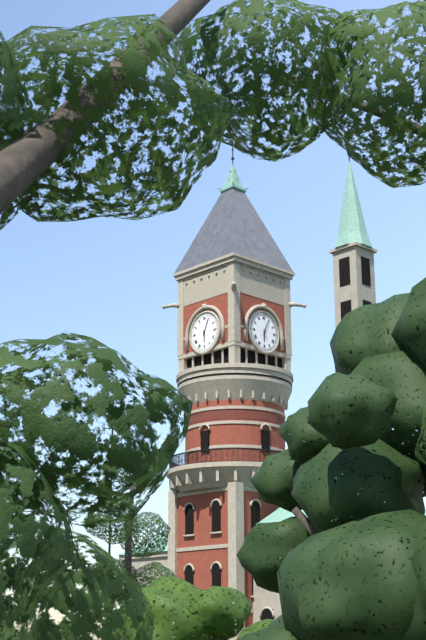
**6:04**
